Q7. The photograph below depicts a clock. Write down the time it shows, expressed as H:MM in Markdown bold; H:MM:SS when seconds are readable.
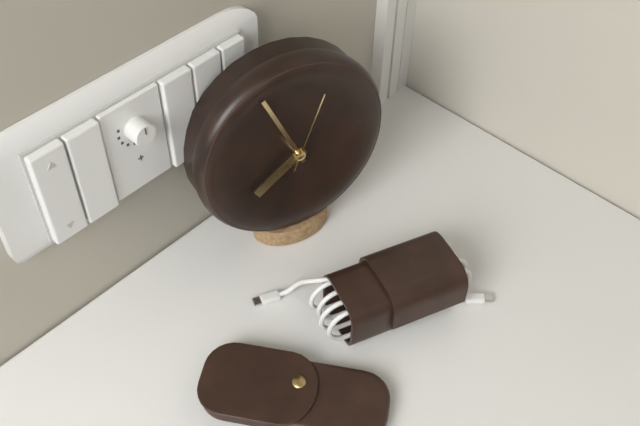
**7:56:04**
